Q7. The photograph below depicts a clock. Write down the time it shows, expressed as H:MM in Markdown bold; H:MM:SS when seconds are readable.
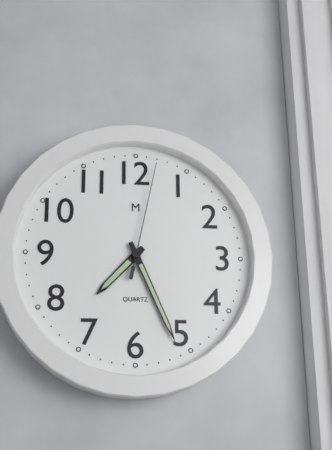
**7:26:02**
